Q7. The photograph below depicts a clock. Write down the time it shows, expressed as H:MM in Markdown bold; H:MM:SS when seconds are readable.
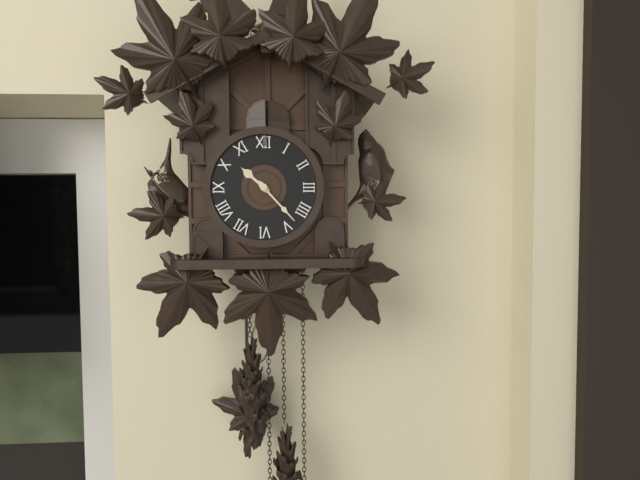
**10:23**
